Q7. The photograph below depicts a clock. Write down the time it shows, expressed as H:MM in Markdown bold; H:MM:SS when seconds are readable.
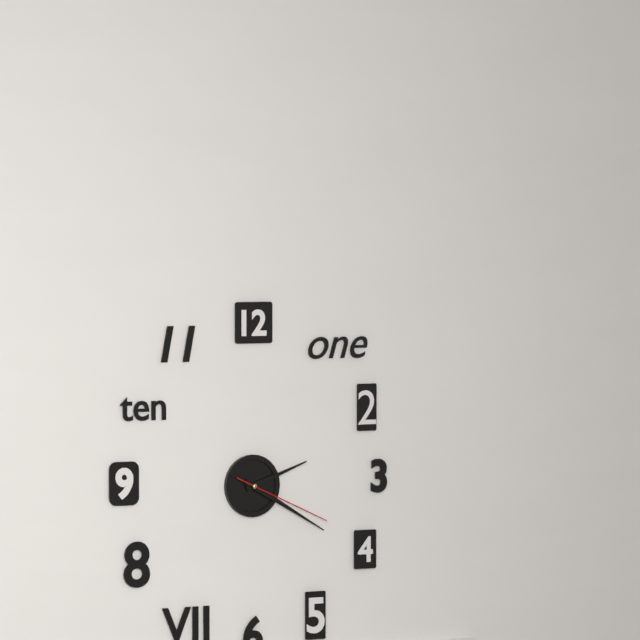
**2:20:19**
